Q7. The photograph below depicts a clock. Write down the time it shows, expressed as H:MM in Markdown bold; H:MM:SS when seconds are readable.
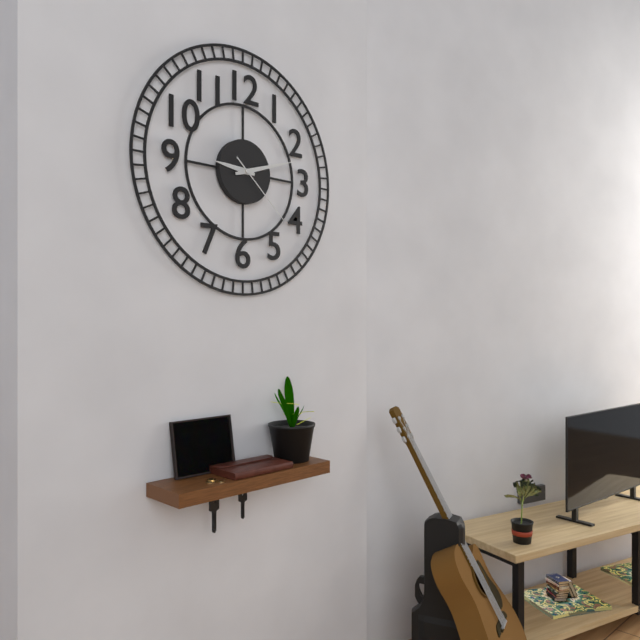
**9:12:22**
